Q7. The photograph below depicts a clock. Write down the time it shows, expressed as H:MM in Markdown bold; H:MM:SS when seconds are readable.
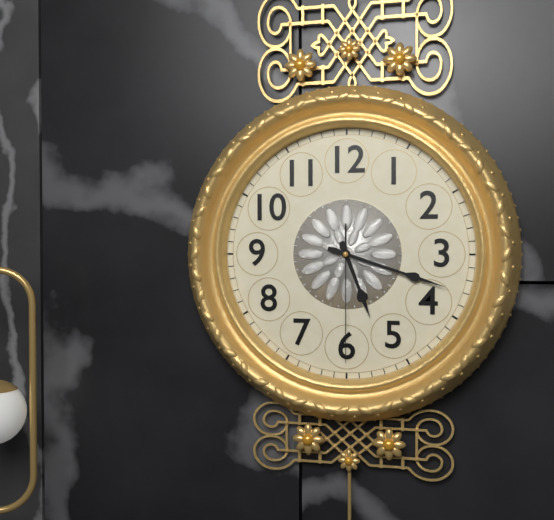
**5:18:30**
